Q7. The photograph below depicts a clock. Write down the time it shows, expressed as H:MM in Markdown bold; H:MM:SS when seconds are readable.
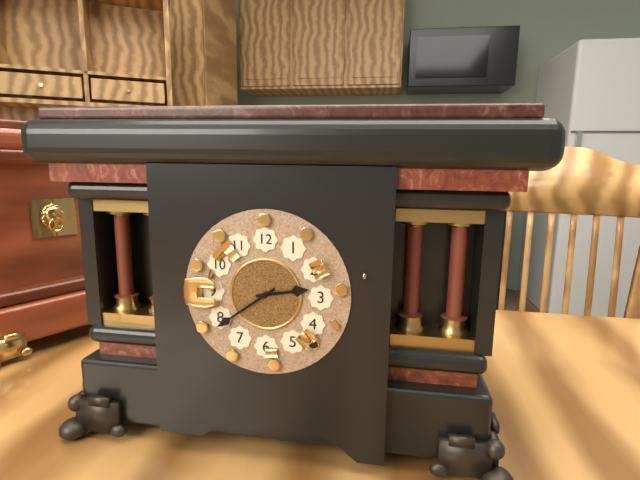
**2:39**
